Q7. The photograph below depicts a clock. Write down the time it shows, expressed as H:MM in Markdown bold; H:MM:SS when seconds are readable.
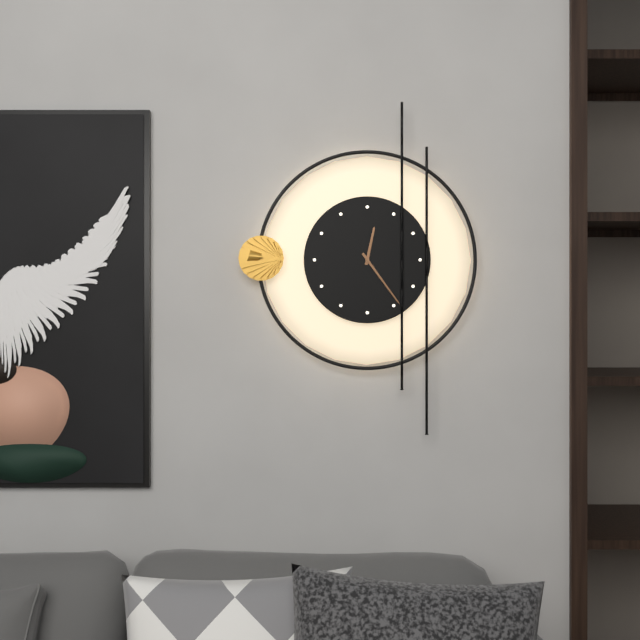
**12:24**
